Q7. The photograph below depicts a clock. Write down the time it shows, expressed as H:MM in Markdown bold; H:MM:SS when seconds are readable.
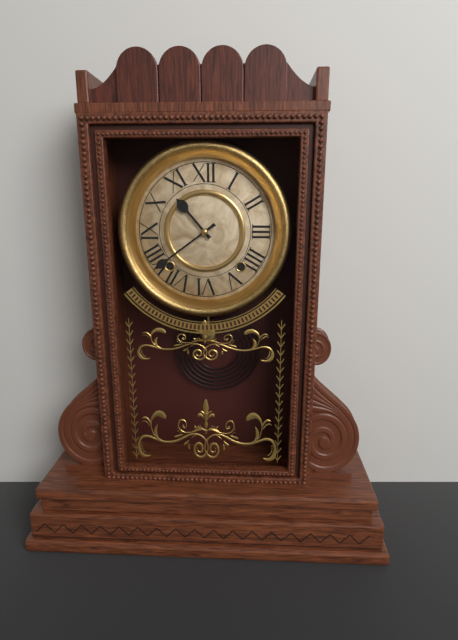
**10:39**
